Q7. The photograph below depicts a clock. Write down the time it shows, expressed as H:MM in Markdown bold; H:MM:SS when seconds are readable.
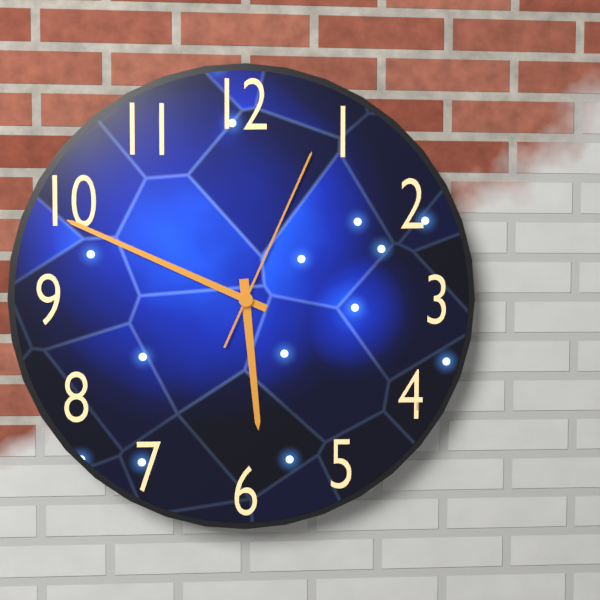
**5:49:04**
